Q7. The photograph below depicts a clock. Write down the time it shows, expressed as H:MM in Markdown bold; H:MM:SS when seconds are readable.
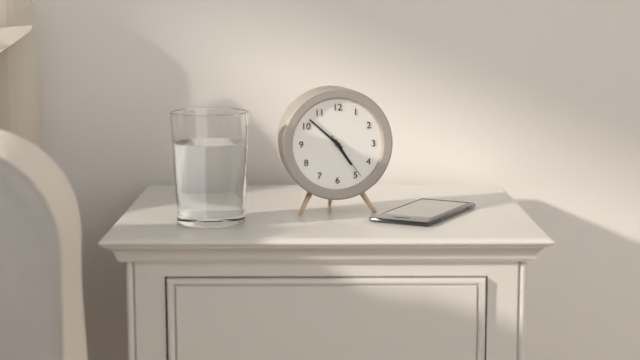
**4:52:24**
